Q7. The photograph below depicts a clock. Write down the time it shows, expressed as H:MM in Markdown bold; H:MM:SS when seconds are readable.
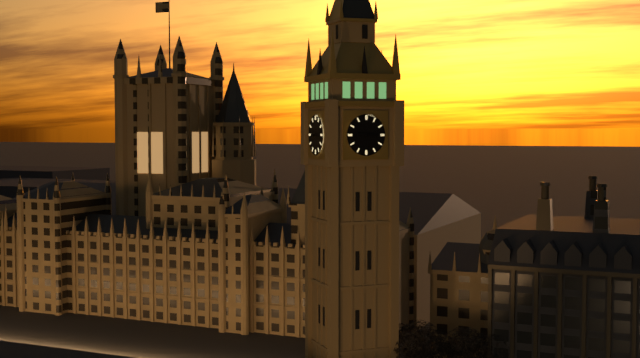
**9:15**
